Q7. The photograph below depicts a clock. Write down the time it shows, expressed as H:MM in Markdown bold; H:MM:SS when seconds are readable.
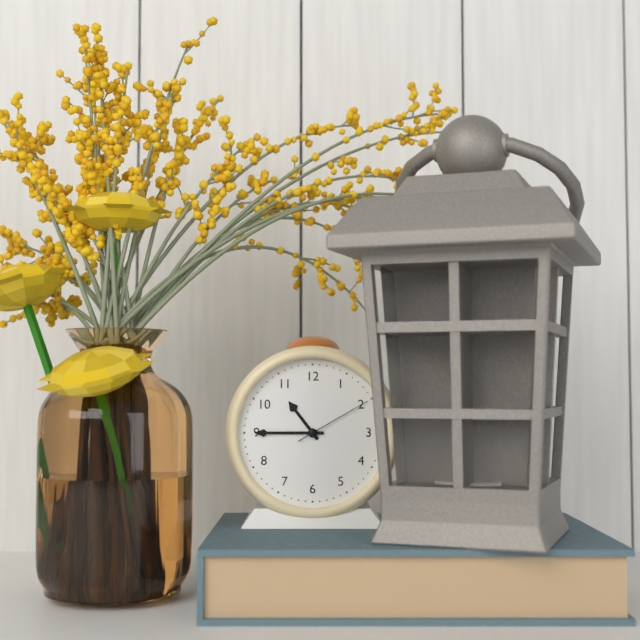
**10:45:10**
